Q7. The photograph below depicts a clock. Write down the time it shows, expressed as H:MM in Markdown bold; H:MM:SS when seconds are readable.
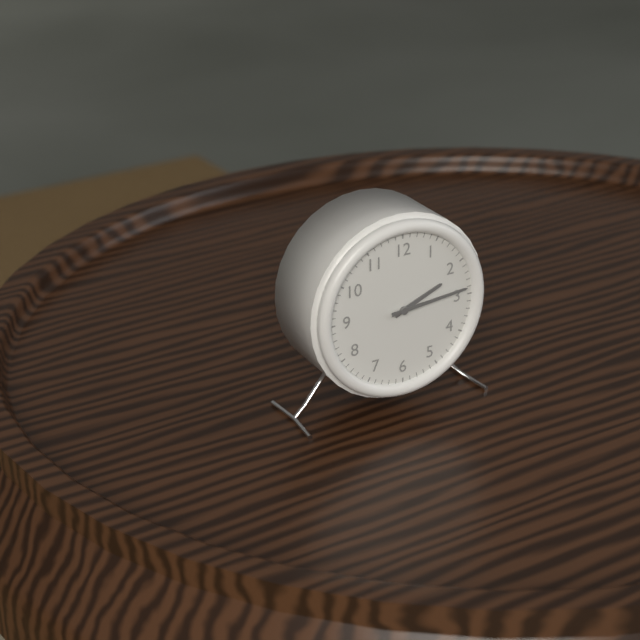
**2:14**
